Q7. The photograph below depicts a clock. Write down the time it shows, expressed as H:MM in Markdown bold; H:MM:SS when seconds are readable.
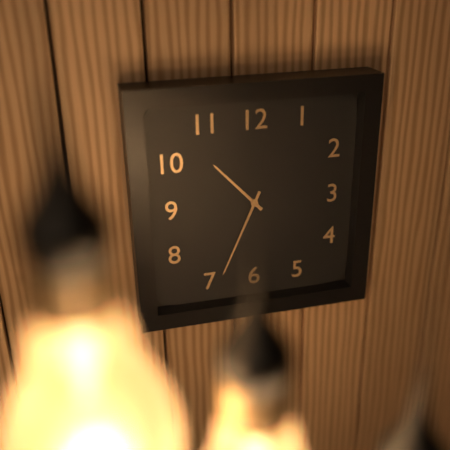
**10:34**
